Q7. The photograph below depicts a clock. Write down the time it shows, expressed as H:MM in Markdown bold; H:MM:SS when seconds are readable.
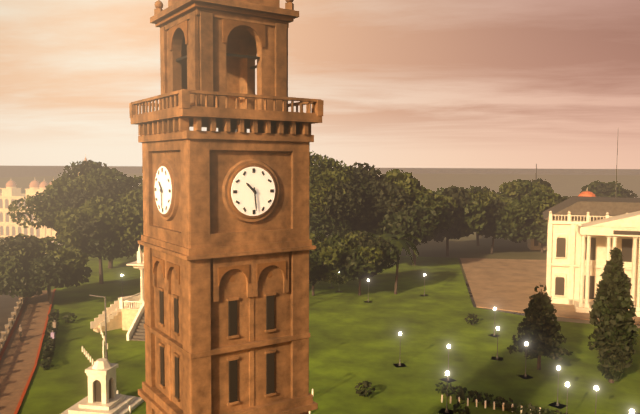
**10:29**
